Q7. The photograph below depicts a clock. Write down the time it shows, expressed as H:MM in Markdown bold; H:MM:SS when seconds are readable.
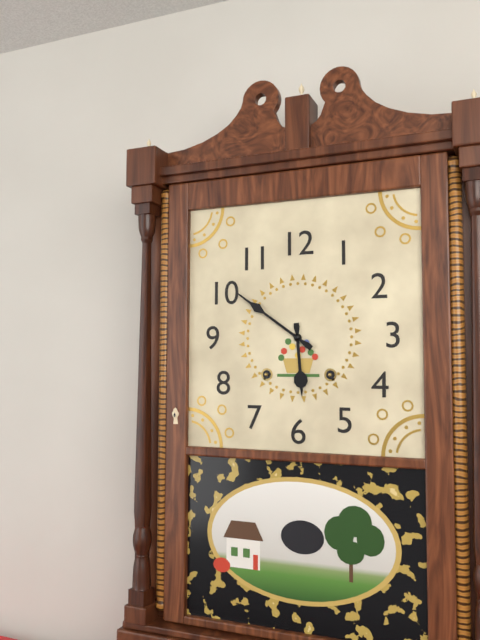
**5:51**
